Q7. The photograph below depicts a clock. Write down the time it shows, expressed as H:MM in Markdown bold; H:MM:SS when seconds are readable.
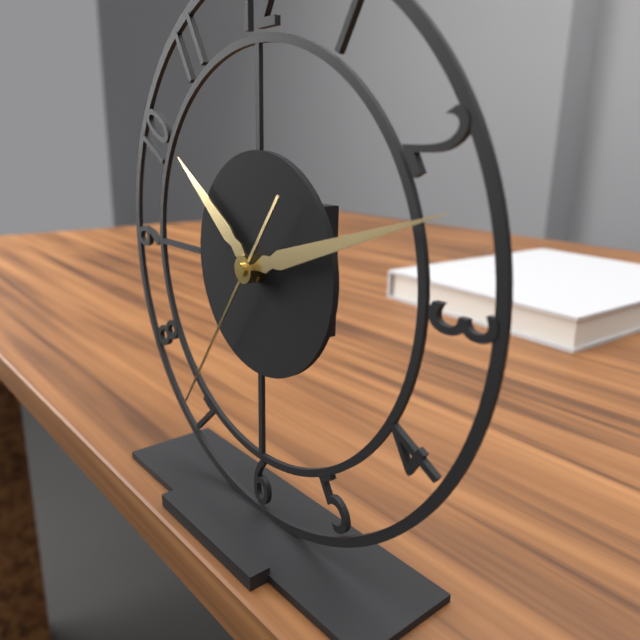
**10:12:36**
